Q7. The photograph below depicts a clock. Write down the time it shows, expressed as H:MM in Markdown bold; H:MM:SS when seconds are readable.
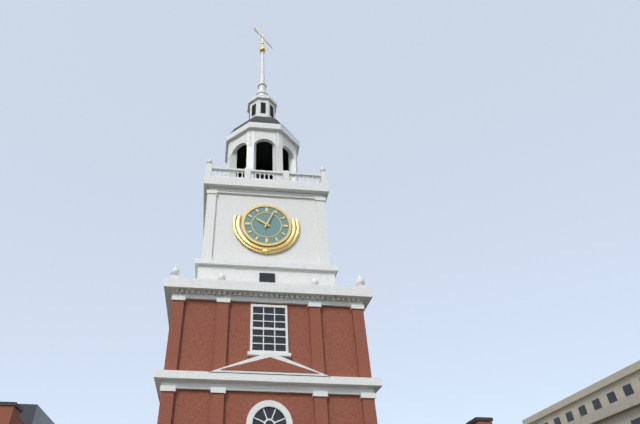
**10:04**
